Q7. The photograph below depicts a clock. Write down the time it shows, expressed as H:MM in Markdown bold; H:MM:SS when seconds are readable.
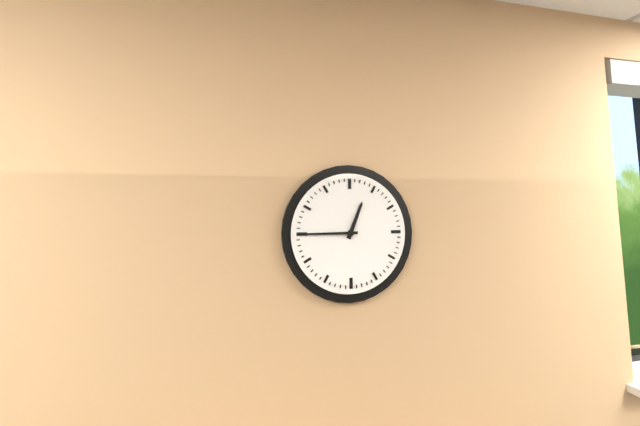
**12:45**
